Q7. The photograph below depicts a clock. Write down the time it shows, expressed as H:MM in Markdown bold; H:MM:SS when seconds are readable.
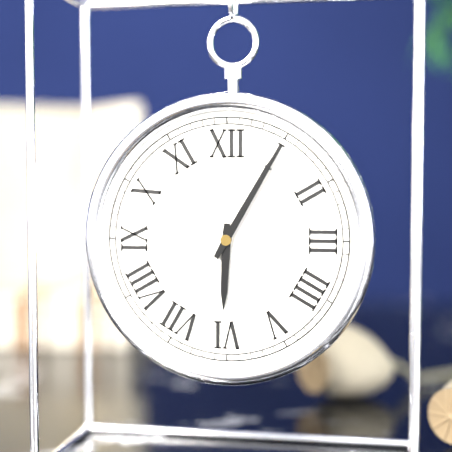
**6:05**
